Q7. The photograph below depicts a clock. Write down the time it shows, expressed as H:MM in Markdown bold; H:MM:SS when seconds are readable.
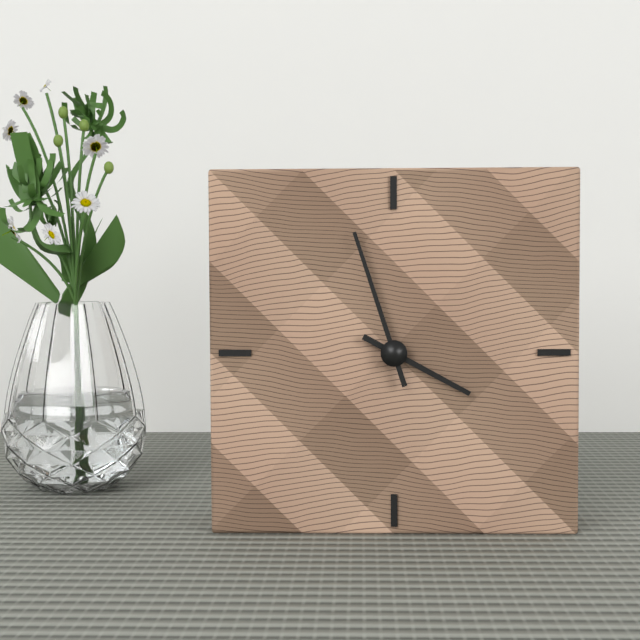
**3:57**
